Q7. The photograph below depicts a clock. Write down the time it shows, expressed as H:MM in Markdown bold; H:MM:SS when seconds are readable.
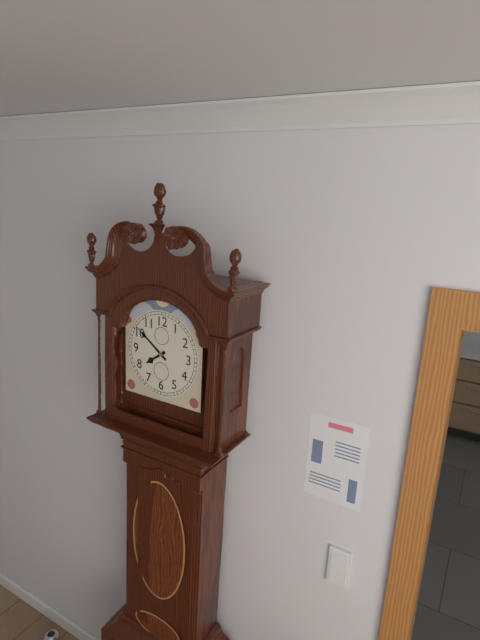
**7:51**
